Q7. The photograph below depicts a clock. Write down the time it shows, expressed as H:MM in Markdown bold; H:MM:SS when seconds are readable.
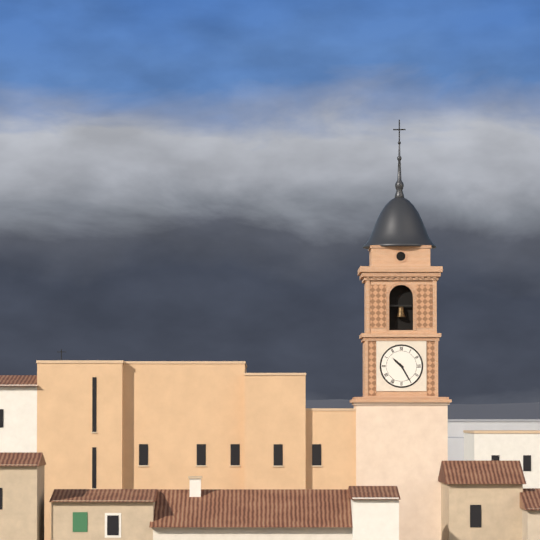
**10:25**
